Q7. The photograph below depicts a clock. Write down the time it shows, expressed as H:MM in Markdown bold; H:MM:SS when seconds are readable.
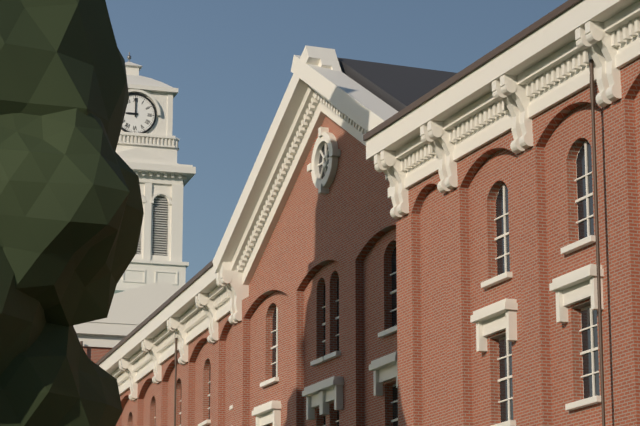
**9:00**
